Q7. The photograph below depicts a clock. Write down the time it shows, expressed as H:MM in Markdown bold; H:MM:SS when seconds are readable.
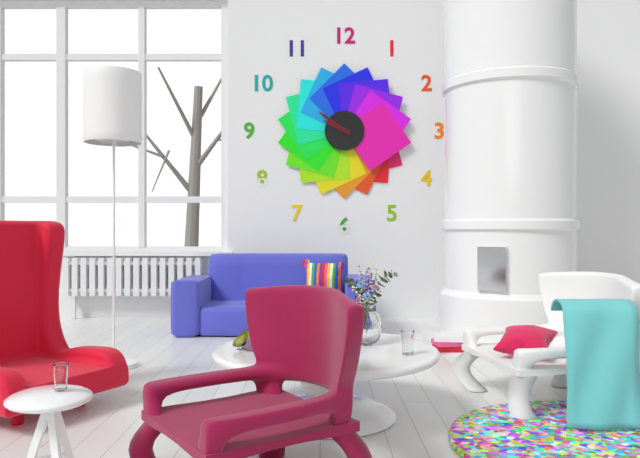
**9:51**
